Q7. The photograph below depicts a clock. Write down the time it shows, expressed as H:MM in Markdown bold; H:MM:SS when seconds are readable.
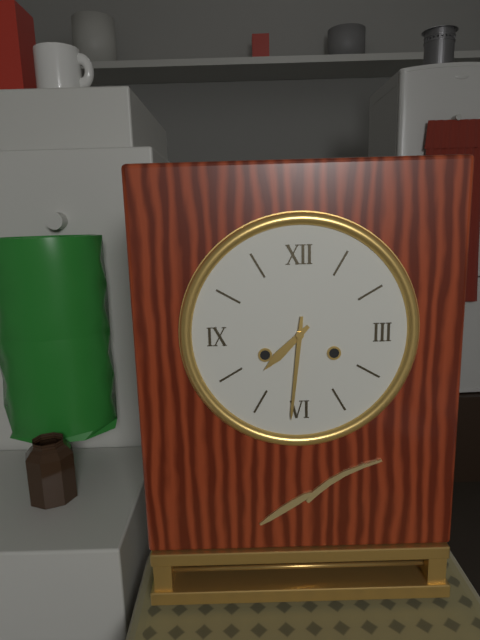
**7:31**
